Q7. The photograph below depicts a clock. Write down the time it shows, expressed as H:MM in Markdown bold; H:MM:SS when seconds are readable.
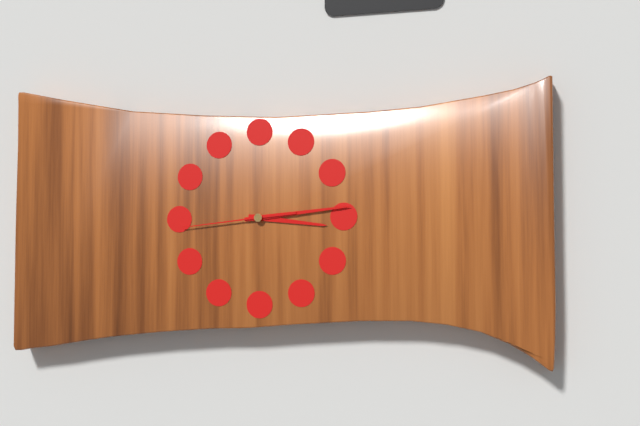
**3:14:44**
